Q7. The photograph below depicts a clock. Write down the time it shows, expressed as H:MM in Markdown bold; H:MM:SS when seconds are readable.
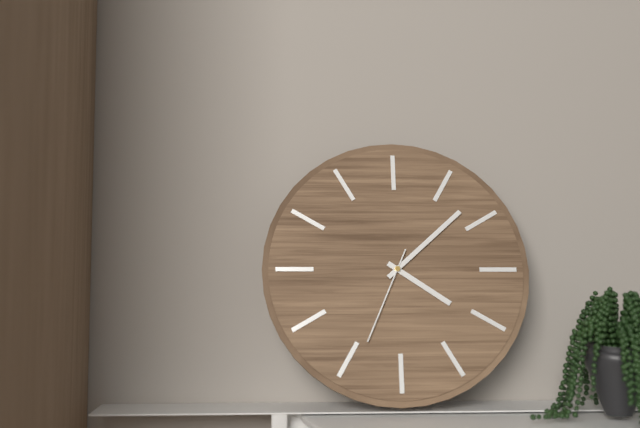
**4:08:34**
